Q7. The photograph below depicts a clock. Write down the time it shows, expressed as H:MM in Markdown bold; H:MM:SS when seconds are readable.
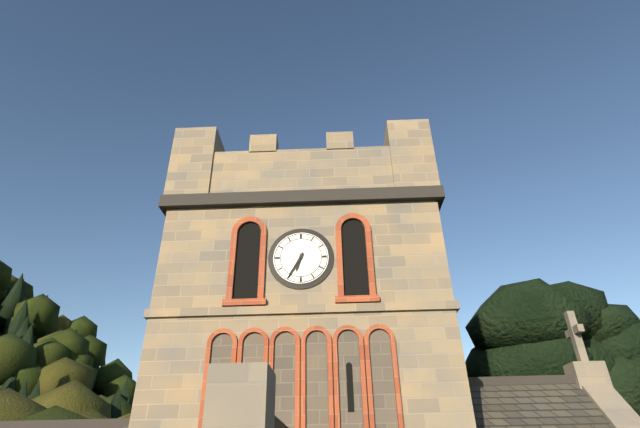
**6:35**
